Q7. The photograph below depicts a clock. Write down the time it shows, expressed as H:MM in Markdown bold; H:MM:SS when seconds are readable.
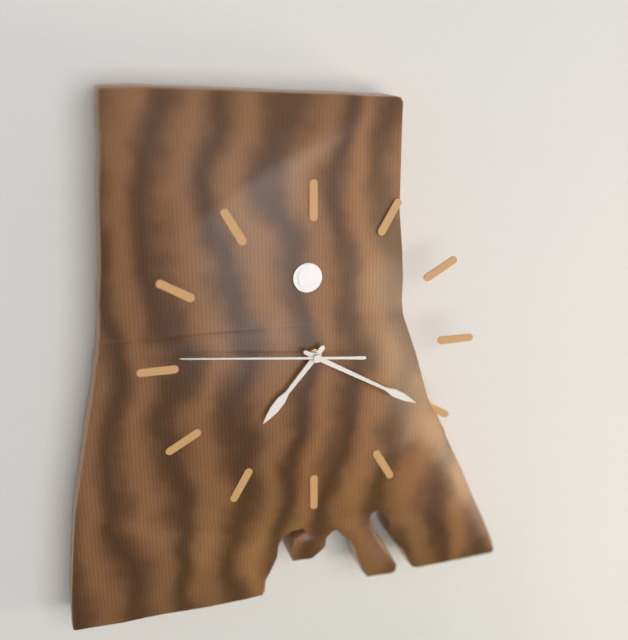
**7:20:46**
